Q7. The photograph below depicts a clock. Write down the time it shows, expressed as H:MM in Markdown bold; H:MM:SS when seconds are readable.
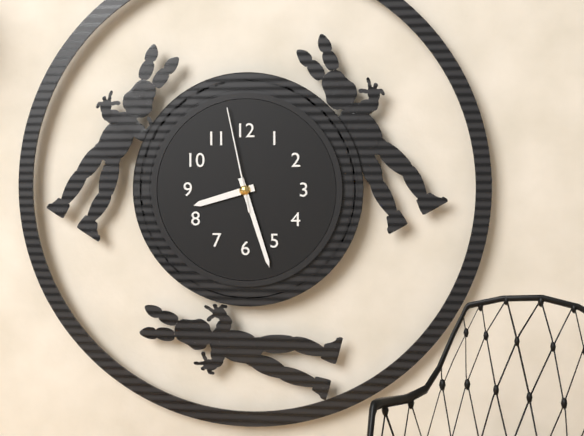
**8:27:58**
